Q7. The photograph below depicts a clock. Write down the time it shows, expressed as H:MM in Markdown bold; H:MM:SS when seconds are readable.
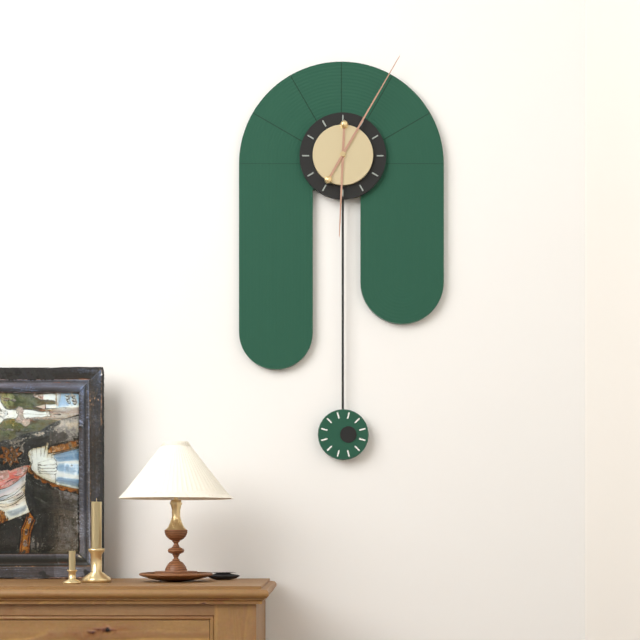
**6:05**
